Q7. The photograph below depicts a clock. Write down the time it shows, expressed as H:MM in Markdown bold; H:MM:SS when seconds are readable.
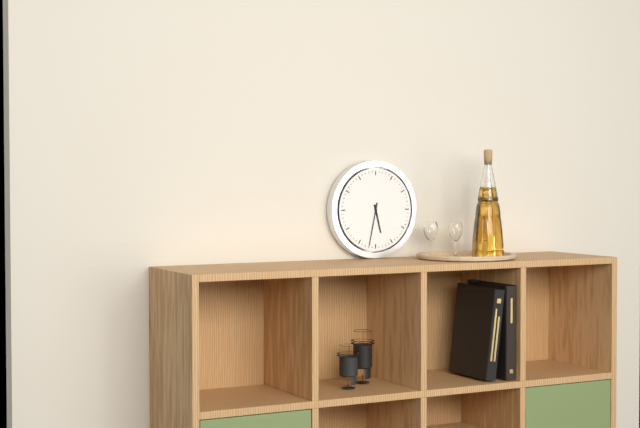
**5:32**
